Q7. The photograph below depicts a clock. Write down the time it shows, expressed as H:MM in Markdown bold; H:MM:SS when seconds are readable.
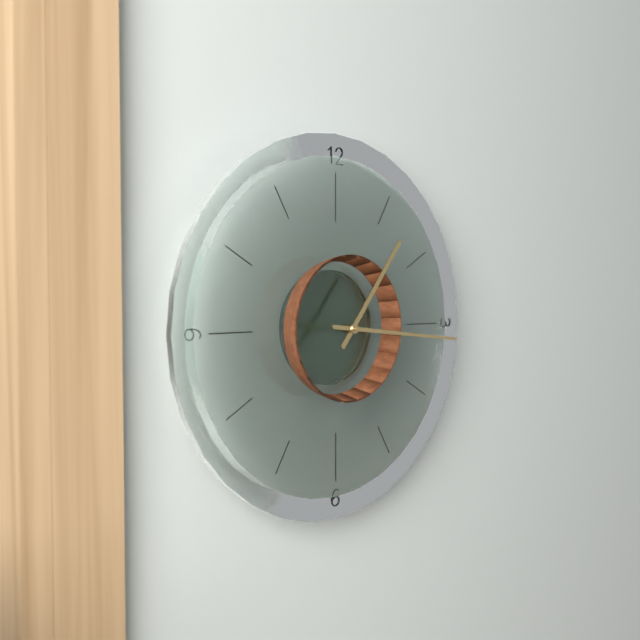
**1:16**
